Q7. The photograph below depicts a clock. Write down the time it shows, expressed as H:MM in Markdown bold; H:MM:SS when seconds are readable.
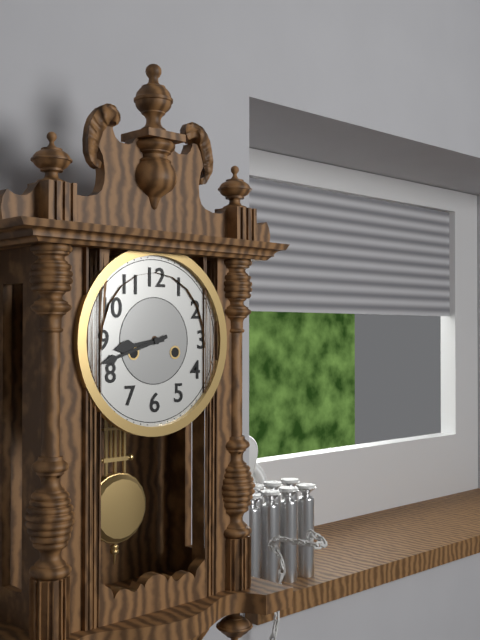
**8:42**
